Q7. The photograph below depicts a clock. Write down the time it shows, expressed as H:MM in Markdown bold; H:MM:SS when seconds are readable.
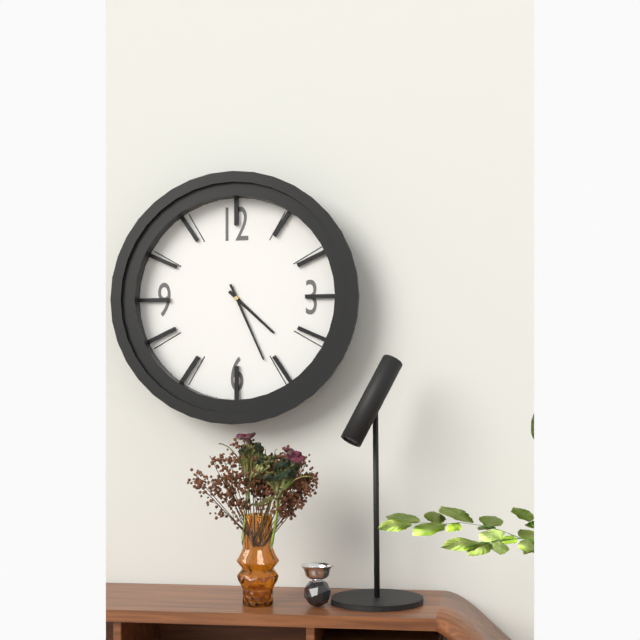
**4:26**
